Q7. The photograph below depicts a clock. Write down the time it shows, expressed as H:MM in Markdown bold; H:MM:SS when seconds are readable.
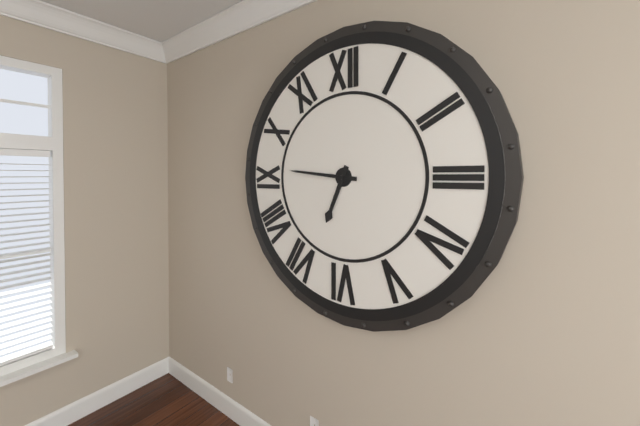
**6:46**
